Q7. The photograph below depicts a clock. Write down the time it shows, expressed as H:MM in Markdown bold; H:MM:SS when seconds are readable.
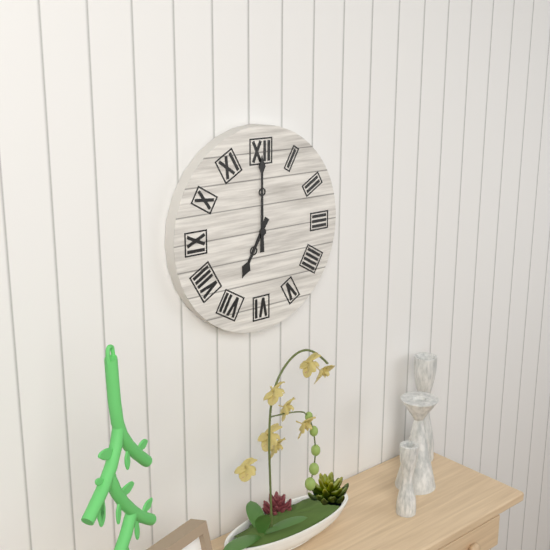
**7:00**
